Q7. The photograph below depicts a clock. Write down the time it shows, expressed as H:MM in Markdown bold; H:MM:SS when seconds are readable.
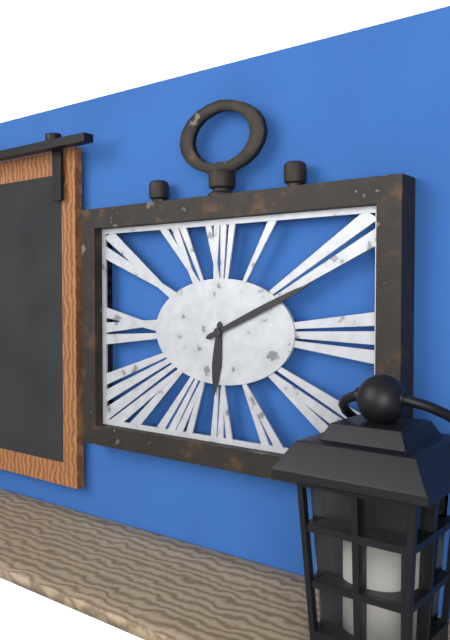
**6:11**
